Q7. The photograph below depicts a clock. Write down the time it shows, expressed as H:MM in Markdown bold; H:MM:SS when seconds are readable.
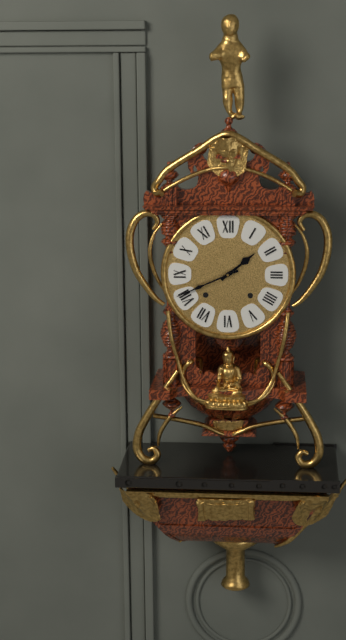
**1:41**
